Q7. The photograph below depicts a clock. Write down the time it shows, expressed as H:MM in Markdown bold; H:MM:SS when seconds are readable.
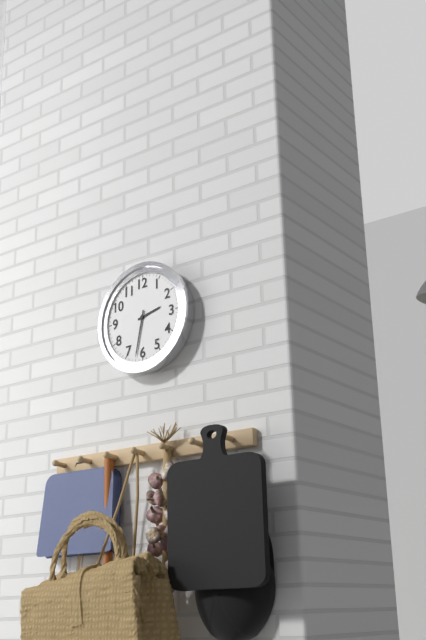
**2:32**
